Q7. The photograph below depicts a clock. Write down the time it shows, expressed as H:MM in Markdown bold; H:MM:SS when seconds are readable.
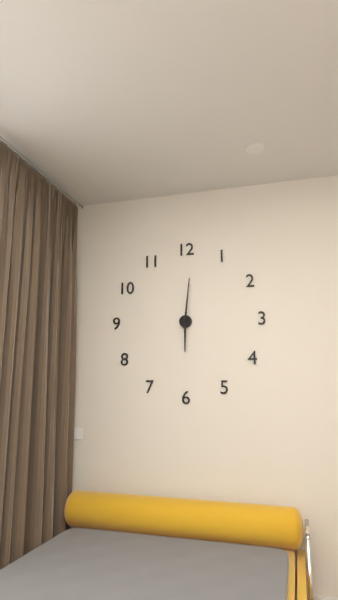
**6:01**
